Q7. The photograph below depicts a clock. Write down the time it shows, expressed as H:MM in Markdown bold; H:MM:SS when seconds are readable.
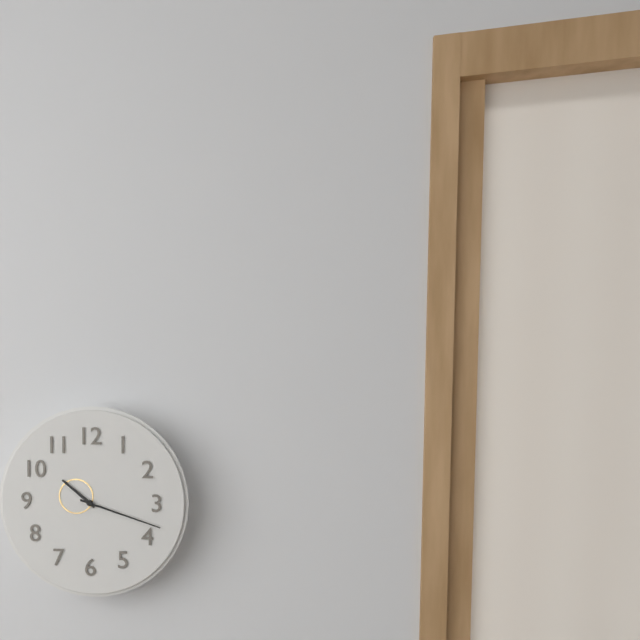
**10:18**
